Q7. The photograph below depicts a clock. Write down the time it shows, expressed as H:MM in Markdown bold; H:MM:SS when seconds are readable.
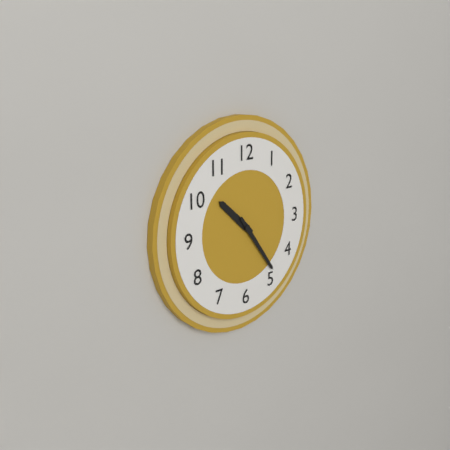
**10:24**
